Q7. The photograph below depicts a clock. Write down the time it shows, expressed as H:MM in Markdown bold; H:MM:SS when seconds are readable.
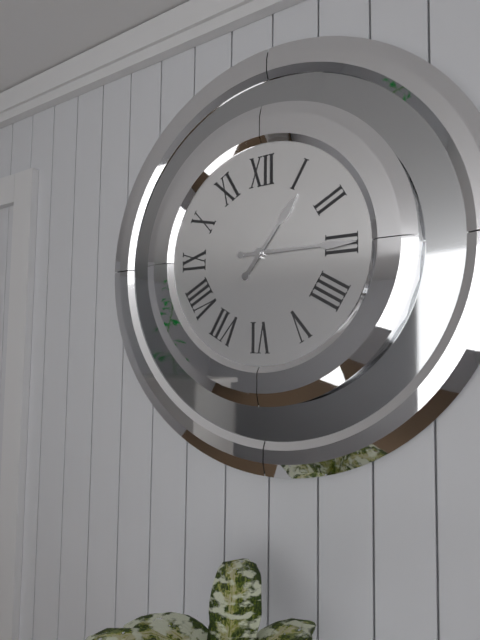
**1:15**
